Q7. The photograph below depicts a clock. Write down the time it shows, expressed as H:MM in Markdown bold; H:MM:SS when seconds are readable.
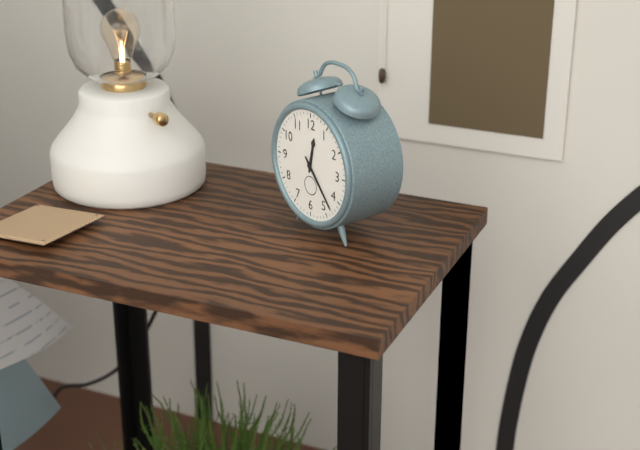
**12:23**
